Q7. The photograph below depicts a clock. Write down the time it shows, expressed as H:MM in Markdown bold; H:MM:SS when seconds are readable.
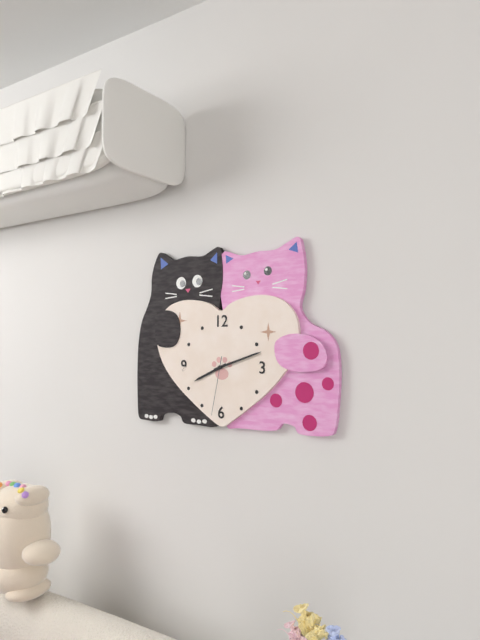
**8:12:32**
